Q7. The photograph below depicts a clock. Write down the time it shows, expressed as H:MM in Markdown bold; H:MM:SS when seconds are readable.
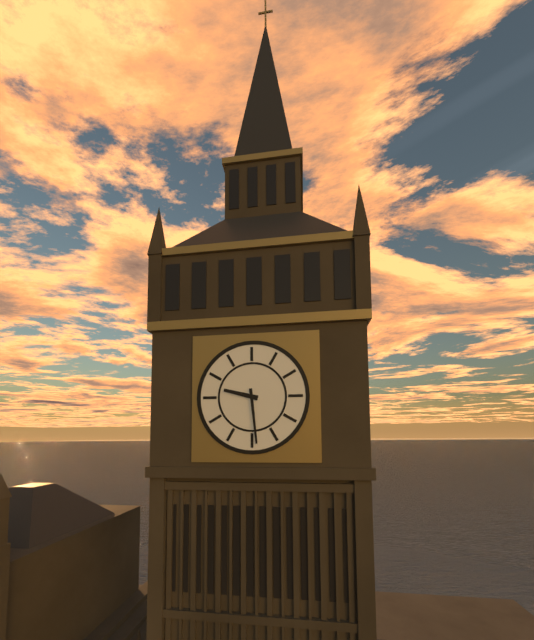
**9:29**
